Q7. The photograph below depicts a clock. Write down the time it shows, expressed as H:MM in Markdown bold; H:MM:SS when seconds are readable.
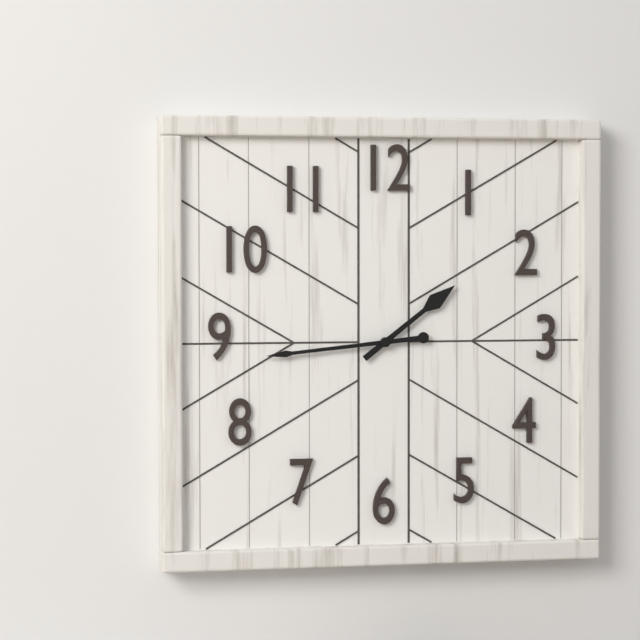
**1:44**
